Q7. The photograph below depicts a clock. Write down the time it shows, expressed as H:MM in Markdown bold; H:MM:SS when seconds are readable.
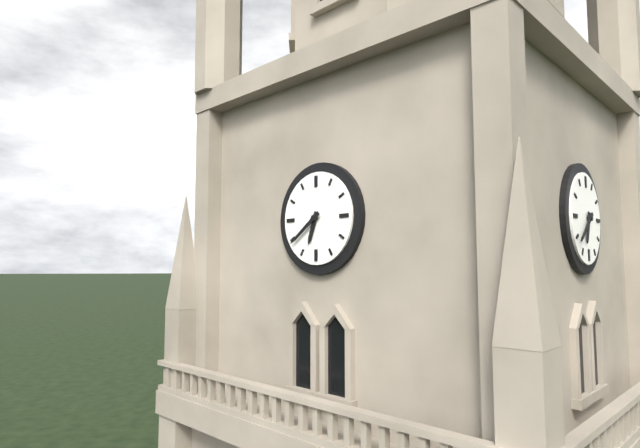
**6:39**
